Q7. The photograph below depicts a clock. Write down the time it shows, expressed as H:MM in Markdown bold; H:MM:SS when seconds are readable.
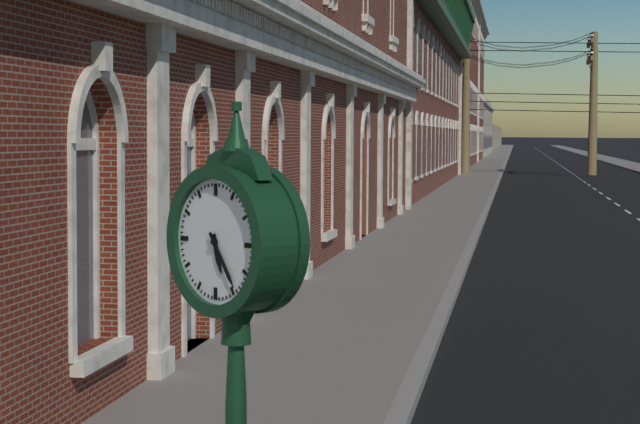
**5:24**
